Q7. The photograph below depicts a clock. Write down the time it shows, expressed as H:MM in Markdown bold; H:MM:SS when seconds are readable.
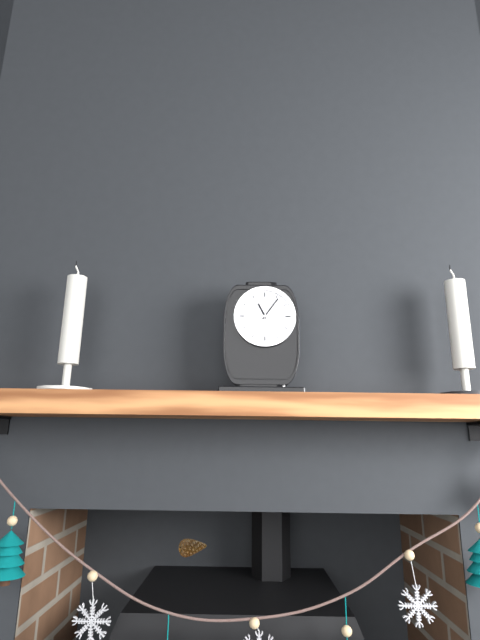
**11:06**
